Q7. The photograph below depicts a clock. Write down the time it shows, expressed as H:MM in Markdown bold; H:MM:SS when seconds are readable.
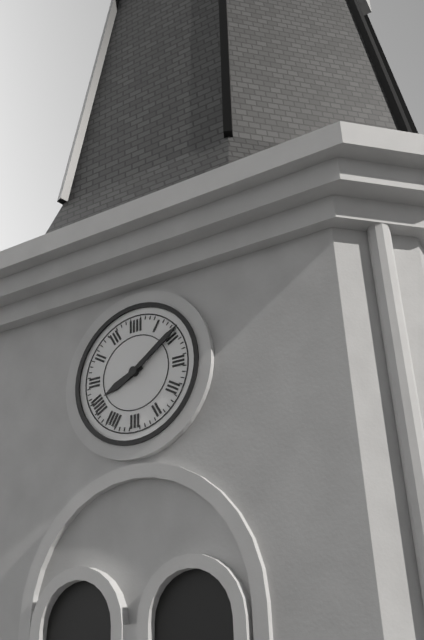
**8:09**
